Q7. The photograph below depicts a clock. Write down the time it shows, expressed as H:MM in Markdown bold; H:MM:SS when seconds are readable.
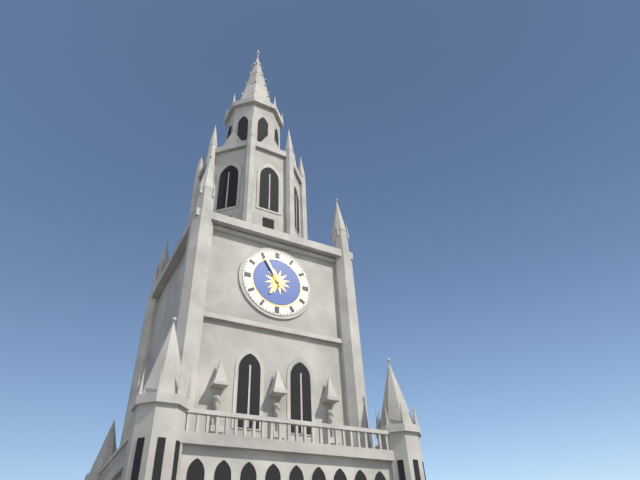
**6:55**
